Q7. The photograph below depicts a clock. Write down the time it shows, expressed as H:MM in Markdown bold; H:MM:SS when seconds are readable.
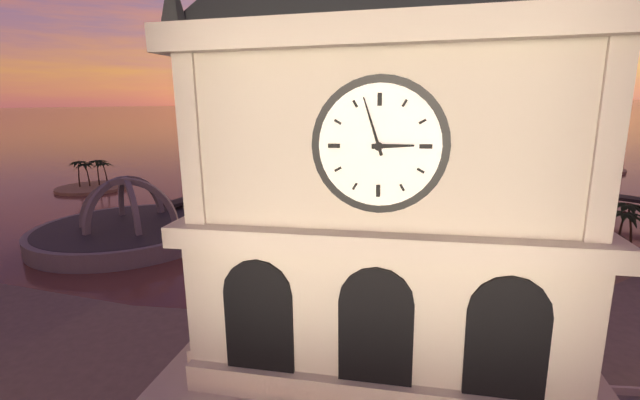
**2:57**
